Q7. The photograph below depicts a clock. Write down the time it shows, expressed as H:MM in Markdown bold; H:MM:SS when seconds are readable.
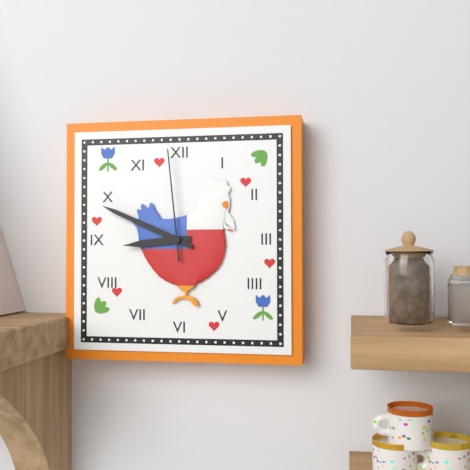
**8:49:59**
